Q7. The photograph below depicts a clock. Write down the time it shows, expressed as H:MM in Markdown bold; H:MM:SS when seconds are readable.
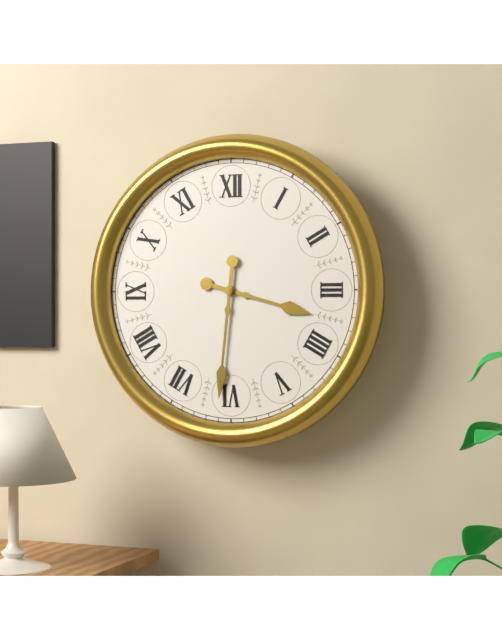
**3:31**
